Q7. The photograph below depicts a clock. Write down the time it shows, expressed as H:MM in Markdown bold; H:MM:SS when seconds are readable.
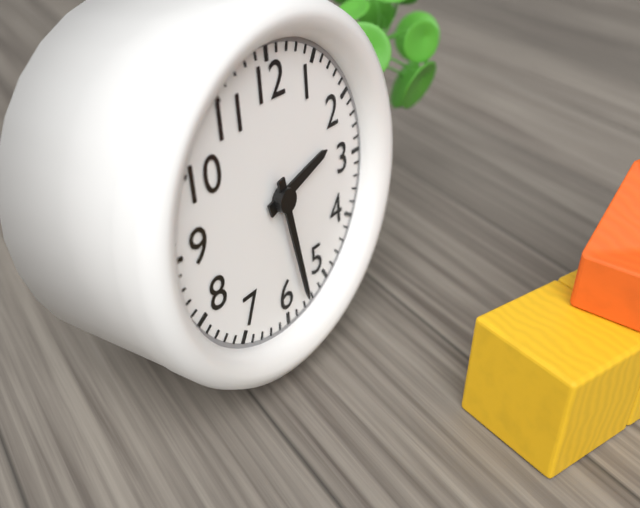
**2:28**
